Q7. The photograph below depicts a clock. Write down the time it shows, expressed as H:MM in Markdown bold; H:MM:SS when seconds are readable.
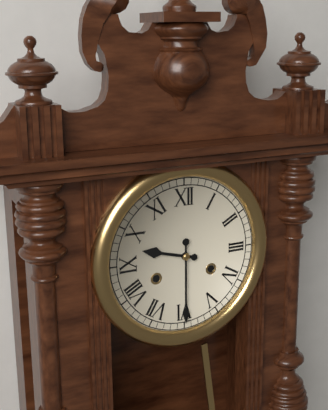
**9:30**
